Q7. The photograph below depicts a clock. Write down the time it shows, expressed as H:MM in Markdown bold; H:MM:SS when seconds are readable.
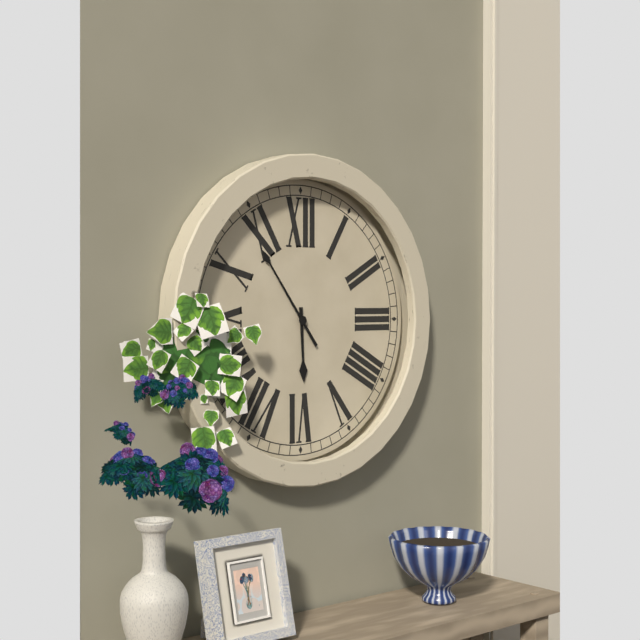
**5:54**
